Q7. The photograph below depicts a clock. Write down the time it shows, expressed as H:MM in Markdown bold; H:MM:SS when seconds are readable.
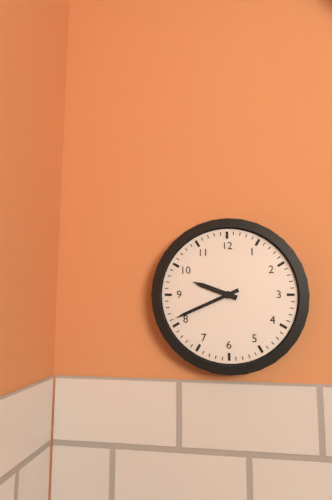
**9:41**
